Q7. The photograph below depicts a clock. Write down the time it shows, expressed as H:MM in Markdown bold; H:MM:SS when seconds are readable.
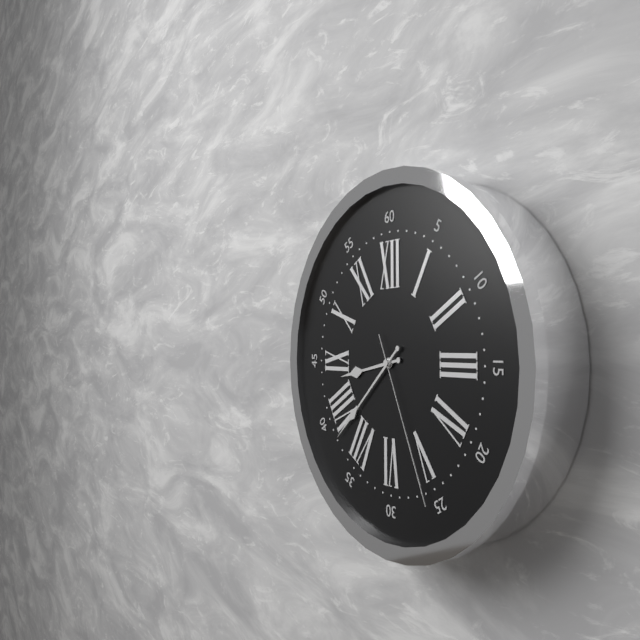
**8:38:26**
